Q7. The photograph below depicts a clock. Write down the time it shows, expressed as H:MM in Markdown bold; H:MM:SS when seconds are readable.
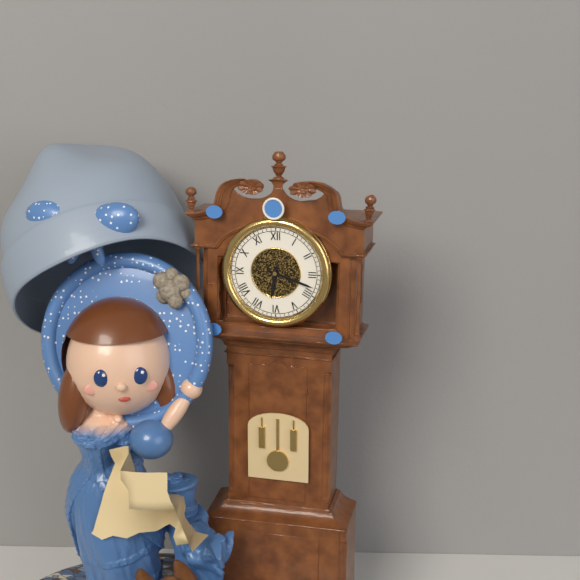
**6:18**
